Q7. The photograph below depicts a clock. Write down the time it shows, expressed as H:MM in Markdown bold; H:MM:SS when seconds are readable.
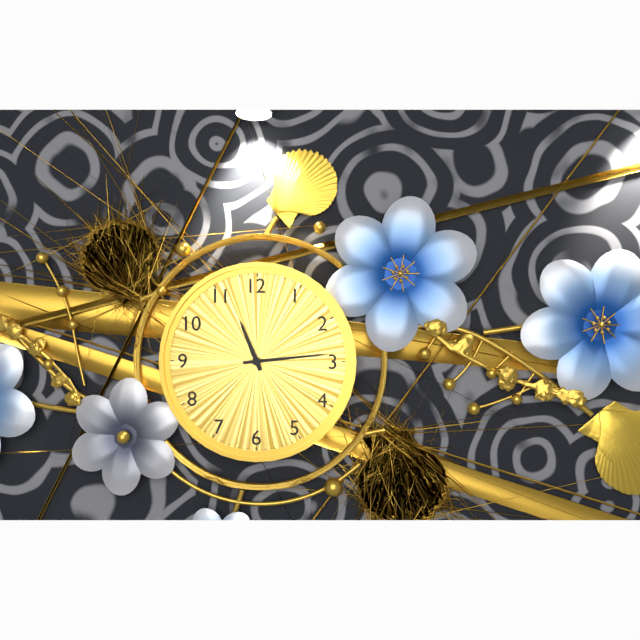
**11:14**
